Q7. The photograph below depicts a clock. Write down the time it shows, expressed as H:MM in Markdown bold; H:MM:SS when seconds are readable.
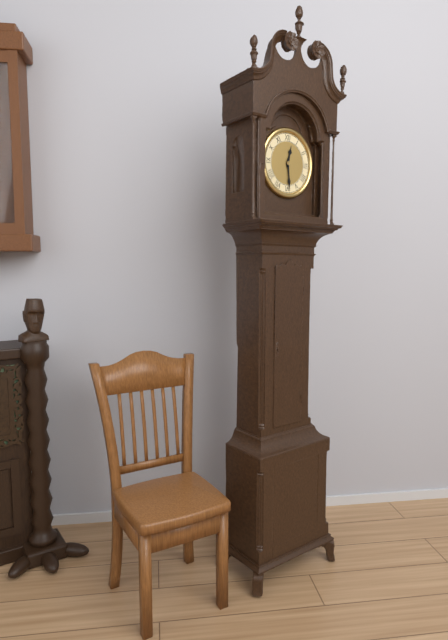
**12:29**
